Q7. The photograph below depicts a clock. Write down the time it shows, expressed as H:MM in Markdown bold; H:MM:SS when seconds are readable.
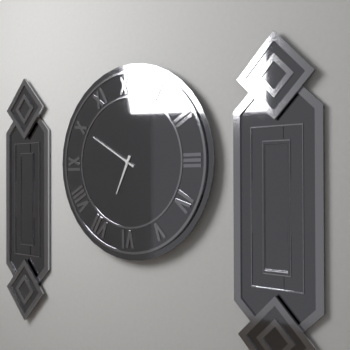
**6:50**
